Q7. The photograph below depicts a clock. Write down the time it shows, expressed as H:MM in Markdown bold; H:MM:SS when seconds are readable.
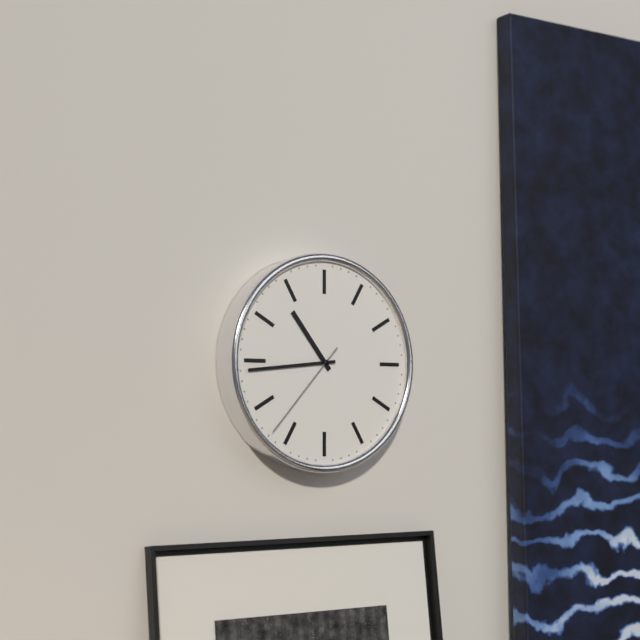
**10:44:37**
